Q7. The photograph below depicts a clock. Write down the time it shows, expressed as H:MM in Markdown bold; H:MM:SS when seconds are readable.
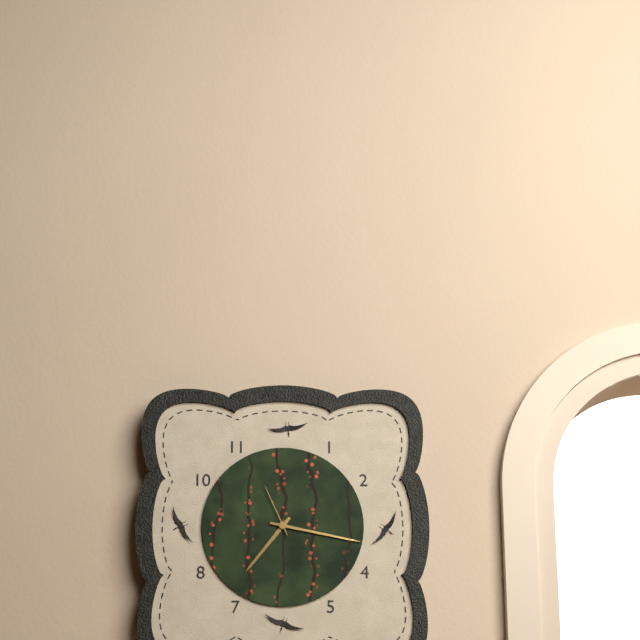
**7:17:56**
